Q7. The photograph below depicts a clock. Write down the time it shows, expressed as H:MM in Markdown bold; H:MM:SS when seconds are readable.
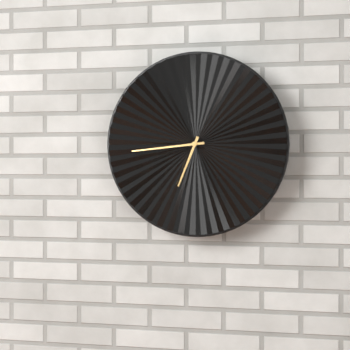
**6:44**
